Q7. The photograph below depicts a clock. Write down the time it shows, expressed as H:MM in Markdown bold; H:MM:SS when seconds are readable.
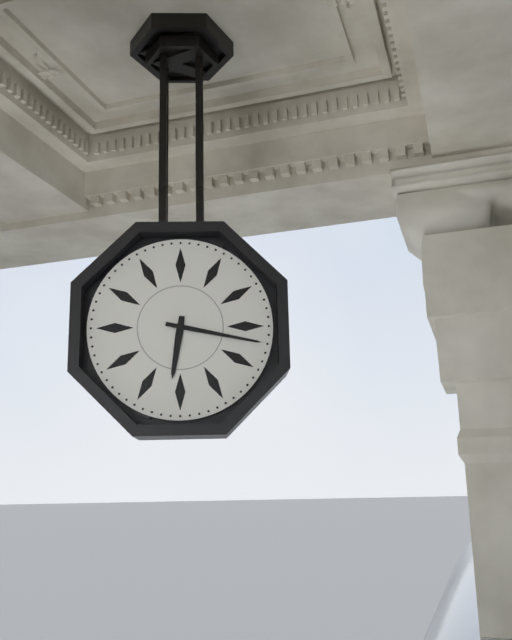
**6:17**
